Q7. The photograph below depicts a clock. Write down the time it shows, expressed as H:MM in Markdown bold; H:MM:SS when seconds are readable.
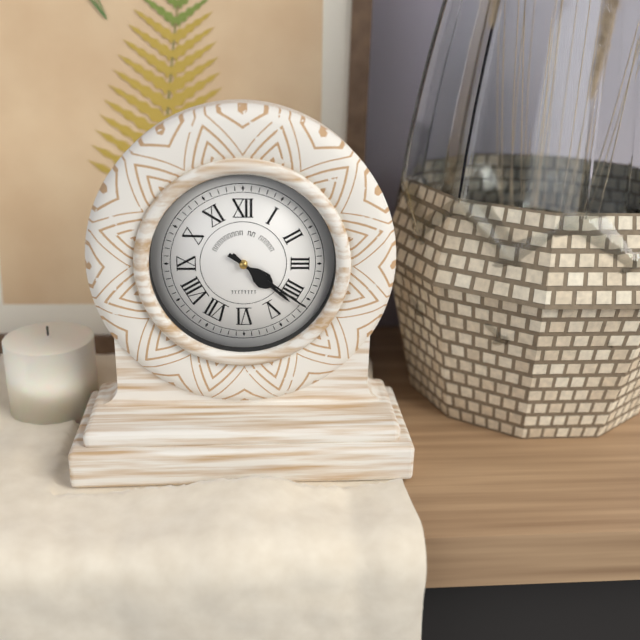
**4:21**
